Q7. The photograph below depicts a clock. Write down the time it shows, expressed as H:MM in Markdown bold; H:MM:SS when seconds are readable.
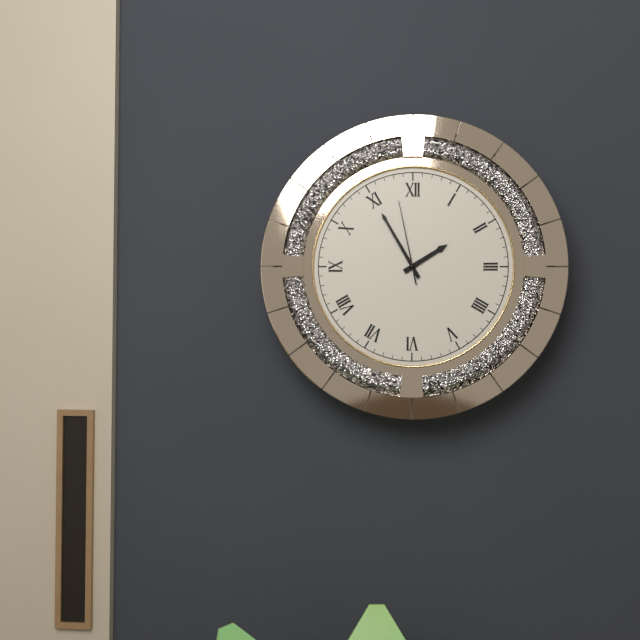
**1:55:58**
